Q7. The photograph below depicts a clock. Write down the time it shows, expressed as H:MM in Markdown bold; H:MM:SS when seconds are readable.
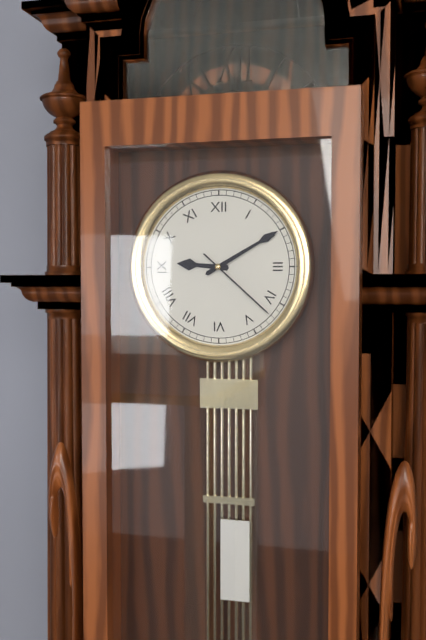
**9:10:22**
